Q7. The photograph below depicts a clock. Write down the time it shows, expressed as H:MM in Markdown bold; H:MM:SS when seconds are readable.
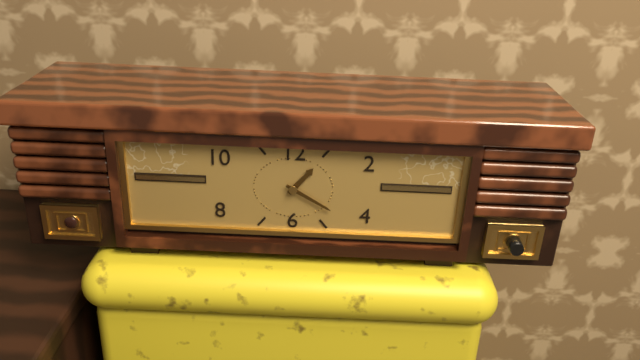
**1:20**
